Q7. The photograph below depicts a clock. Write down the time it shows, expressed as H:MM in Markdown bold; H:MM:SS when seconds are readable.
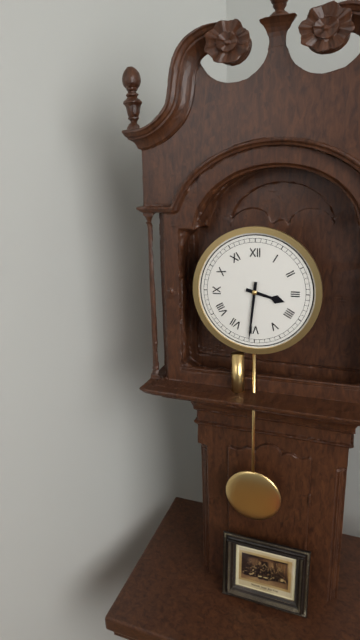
**3:31**
